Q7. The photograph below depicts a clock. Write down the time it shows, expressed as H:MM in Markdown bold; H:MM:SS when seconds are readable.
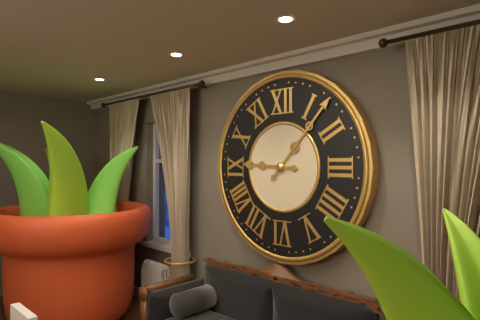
**9:07**
